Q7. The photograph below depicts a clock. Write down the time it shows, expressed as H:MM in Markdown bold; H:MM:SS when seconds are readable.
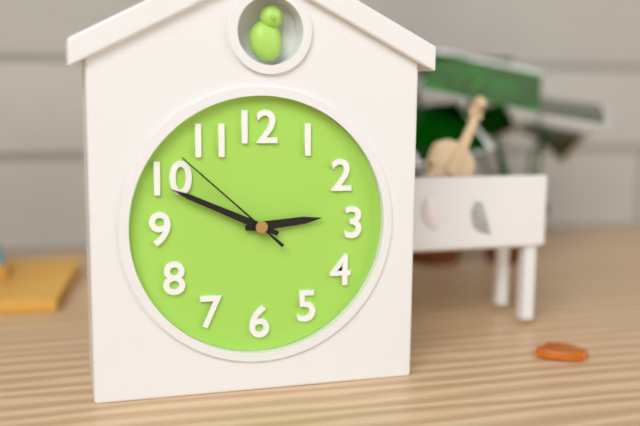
**2:49:52**
